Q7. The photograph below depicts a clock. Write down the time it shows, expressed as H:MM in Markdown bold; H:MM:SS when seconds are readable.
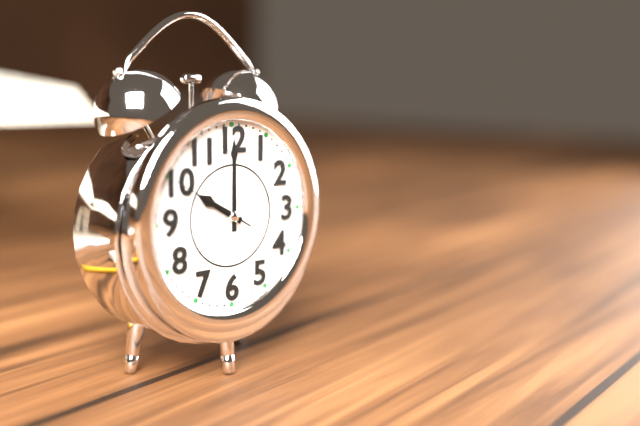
**10:00:50**
